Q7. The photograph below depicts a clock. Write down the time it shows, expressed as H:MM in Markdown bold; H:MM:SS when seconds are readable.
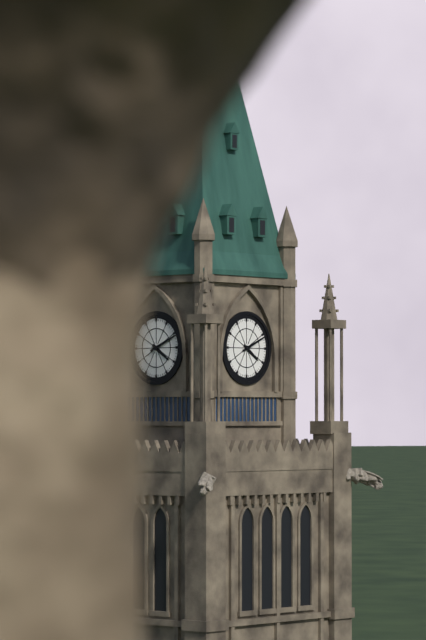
**4:11**
